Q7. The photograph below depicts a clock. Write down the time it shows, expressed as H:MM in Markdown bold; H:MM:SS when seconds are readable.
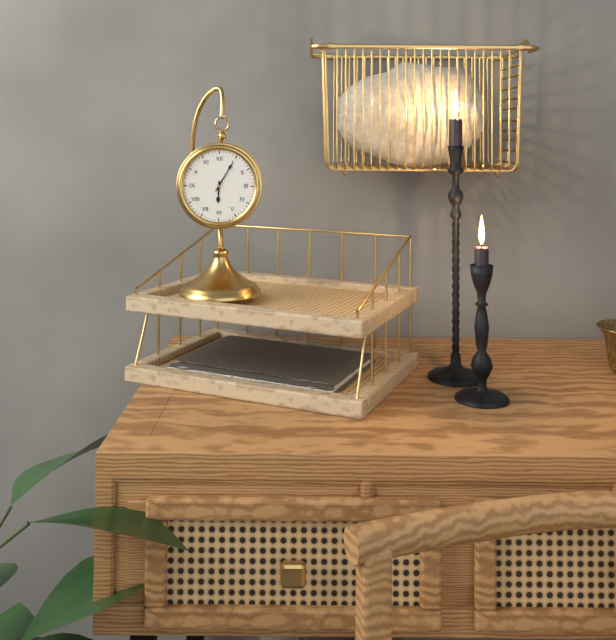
**6:05**
